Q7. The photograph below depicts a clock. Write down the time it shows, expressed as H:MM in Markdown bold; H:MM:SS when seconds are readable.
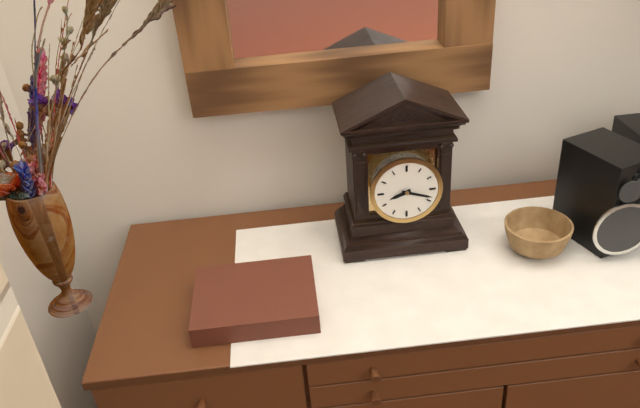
**8:18**
